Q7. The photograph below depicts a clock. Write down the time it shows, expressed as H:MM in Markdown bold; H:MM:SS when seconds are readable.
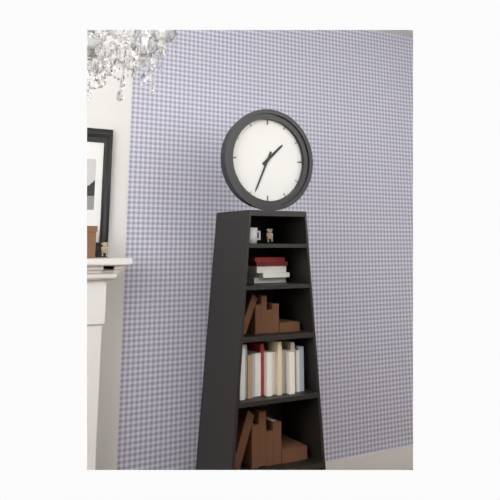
**1:34**
